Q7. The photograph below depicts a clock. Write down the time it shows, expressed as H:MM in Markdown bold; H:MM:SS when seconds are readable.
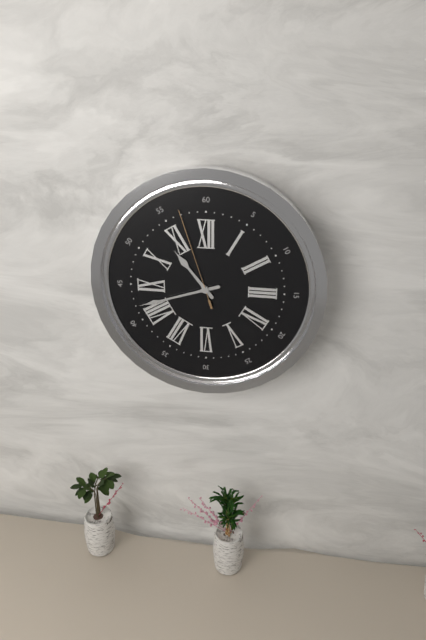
**10:42:57**
